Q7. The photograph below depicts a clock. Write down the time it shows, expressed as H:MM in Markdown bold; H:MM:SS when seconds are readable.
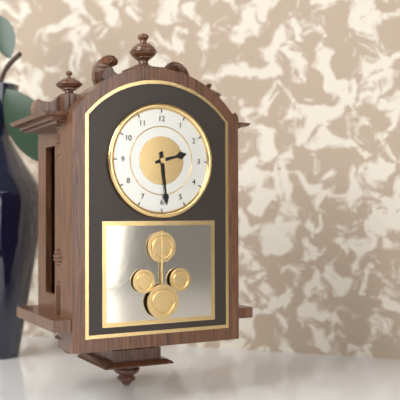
**2:29**
